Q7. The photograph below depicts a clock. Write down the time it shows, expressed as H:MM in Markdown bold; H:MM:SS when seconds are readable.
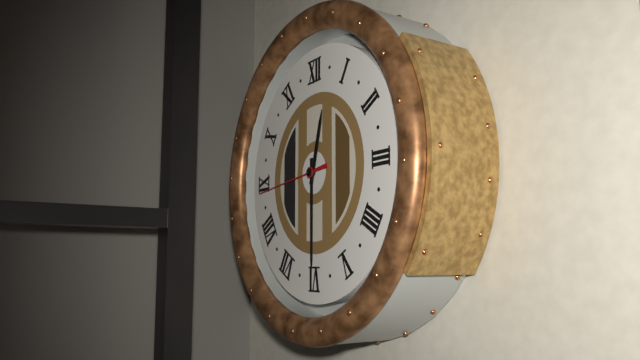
**12:30:44**
